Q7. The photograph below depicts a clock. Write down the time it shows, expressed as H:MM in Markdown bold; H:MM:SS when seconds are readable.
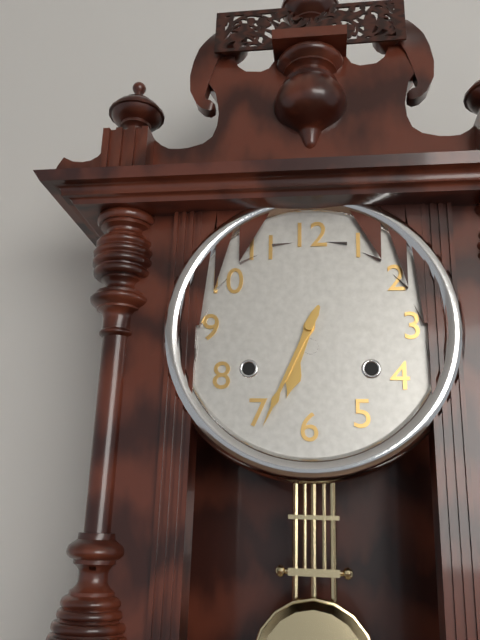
**6:34**
